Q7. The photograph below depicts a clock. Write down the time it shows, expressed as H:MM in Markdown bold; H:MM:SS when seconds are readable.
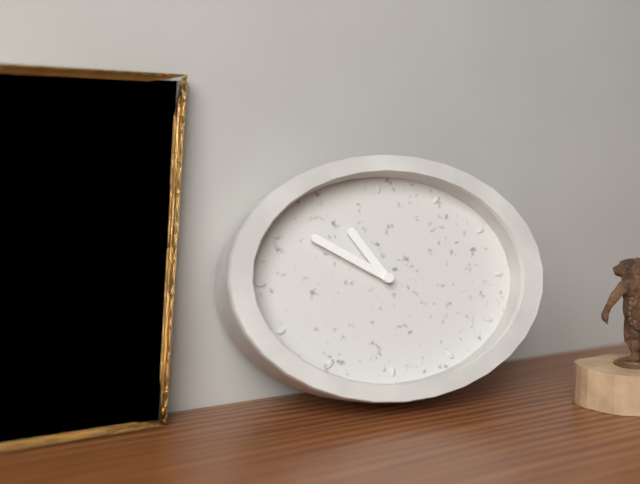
**10:50**
